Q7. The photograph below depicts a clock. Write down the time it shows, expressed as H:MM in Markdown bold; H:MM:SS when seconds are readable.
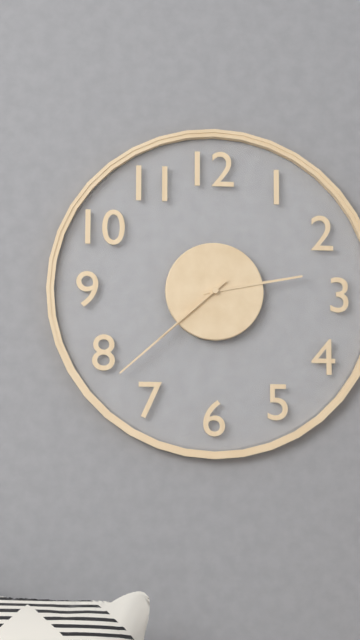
**2:38:38**
